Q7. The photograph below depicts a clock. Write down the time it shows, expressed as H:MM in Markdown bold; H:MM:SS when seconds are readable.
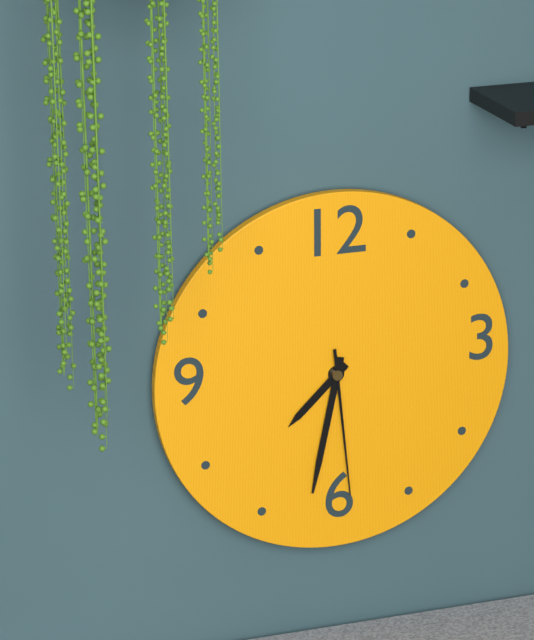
**7:32:29**
